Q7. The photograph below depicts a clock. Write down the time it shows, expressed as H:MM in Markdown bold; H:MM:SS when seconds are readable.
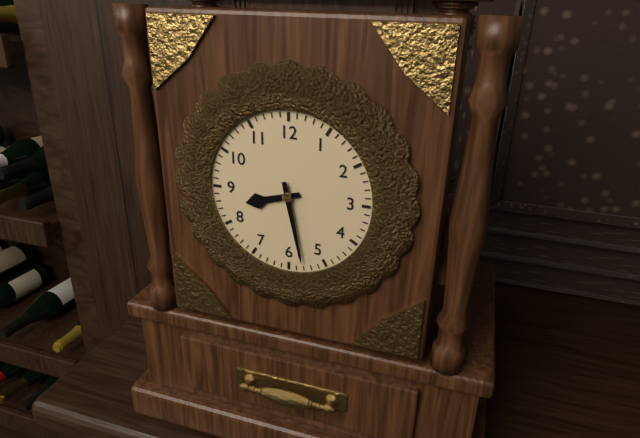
**8:28**
